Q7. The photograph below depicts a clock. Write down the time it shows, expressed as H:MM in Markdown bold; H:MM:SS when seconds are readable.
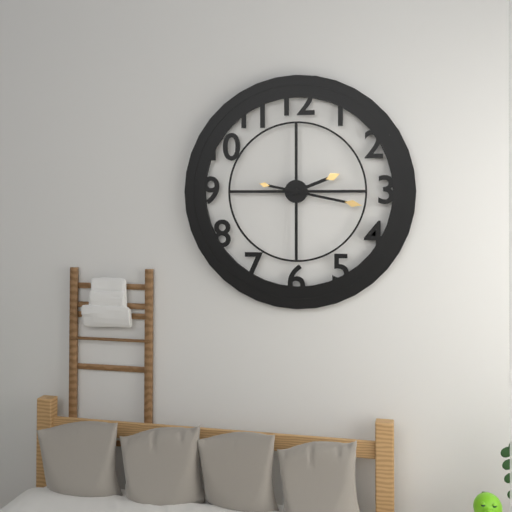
**2:17**
